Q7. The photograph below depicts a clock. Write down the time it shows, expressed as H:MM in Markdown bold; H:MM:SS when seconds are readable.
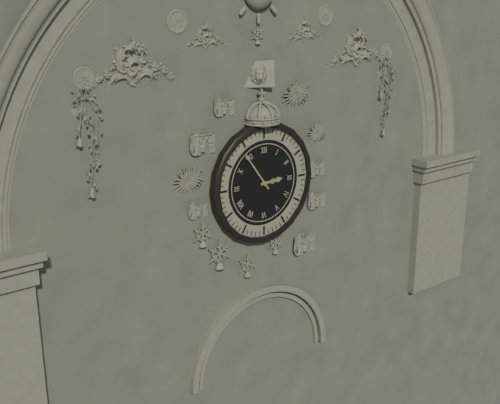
**2:54**
